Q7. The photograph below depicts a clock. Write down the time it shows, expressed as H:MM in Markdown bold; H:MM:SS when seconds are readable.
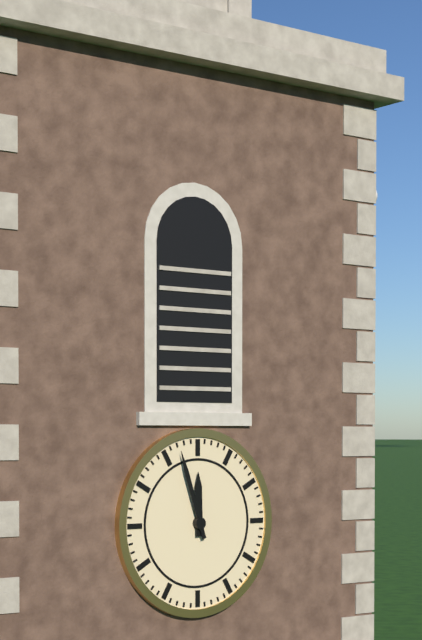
**11:57**
